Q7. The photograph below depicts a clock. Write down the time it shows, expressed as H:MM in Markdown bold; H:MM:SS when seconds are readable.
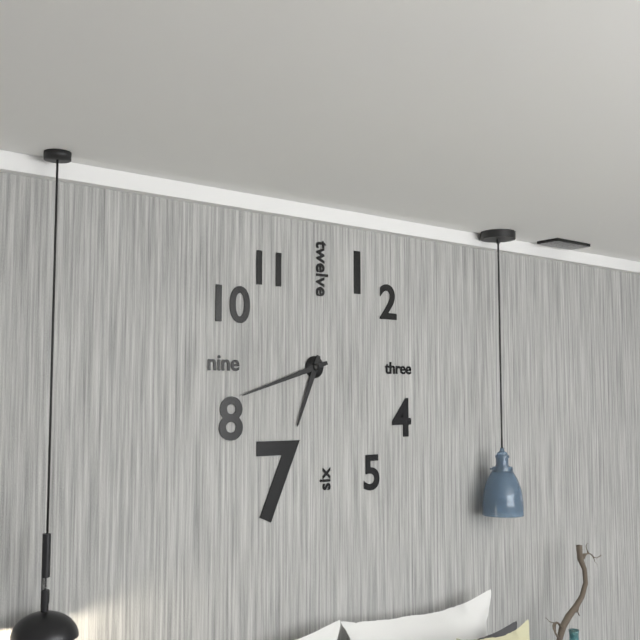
**6:42**
